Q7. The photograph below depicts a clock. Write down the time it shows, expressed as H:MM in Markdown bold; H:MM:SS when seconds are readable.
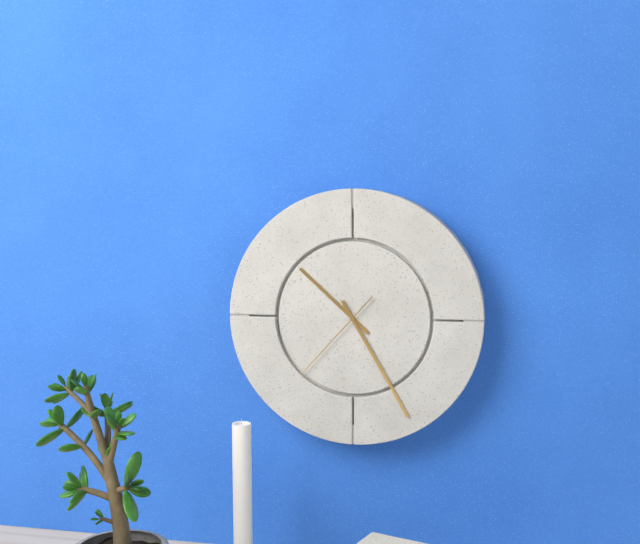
**10:25:37**
